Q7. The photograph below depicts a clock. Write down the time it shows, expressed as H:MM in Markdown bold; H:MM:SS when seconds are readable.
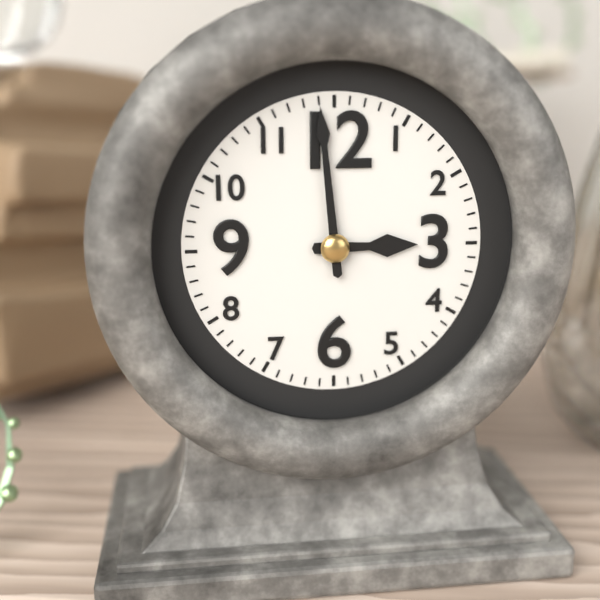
**2:59**
